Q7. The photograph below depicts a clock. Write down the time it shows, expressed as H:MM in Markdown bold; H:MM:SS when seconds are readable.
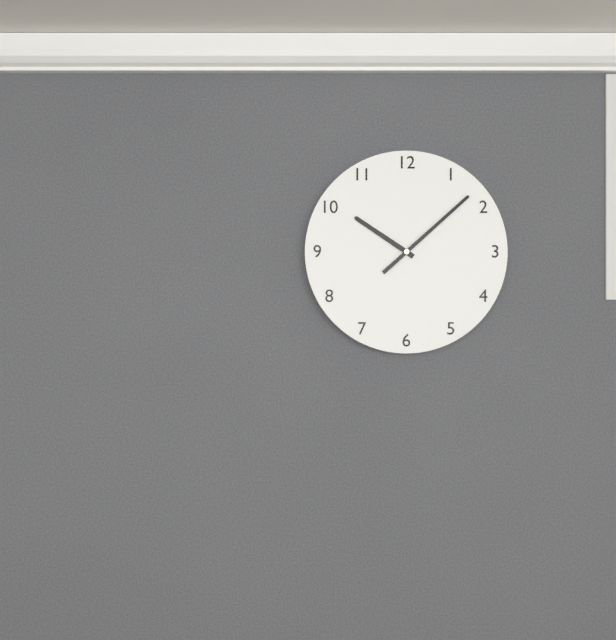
**10:08**
